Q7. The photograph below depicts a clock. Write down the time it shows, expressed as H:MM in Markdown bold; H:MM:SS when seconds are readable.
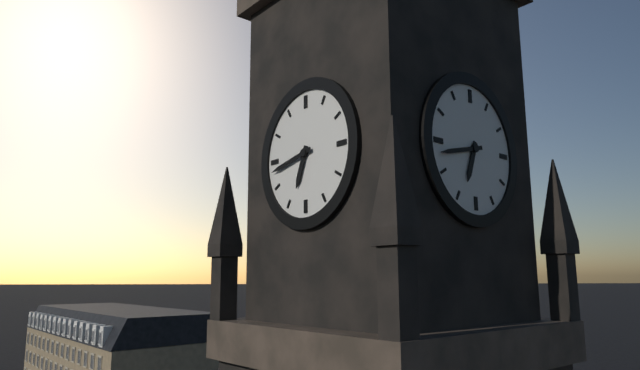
**6:43**
